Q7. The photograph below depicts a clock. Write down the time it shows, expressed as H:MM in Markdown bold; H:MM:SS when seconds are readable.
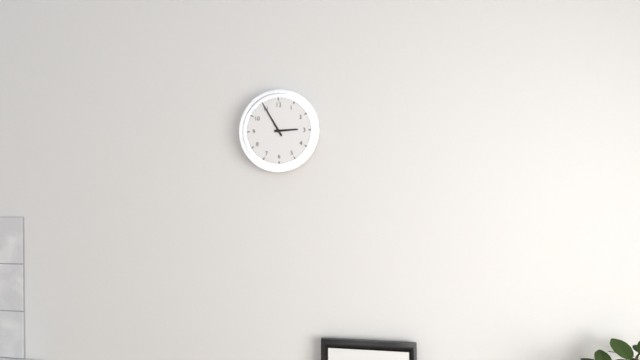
**2:55**
